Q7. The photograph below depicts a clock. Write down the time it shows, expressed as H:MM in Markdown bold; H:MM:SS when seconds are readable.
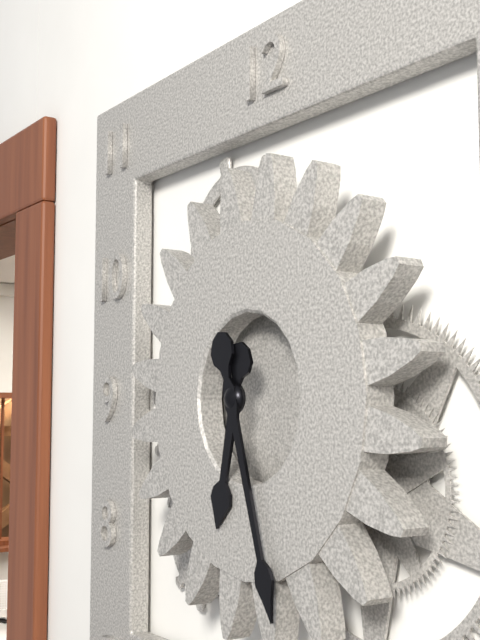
**6:27**
